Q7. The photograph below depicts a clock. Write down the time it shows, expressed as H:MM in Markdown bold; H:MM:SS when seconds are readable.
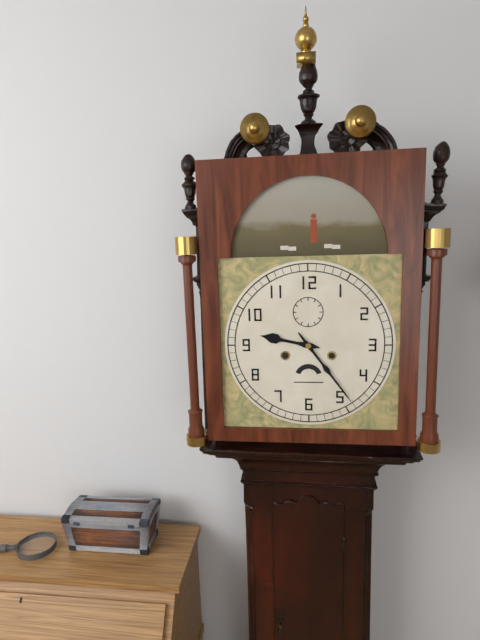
**9:24**
